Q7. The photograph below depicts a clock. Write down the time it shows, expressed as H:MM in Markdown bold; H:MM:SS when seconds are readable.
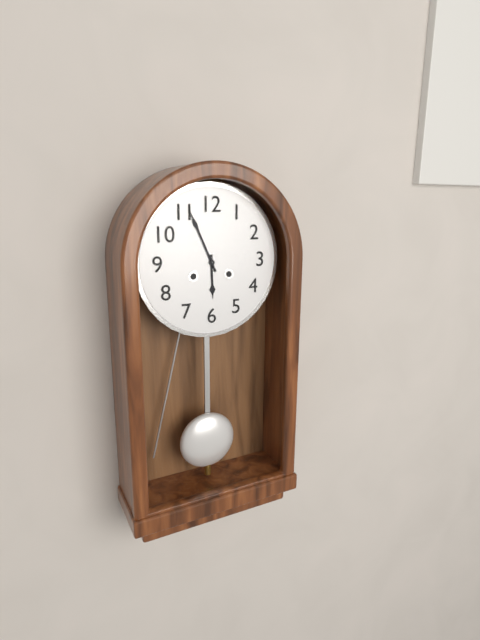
**5:56**
